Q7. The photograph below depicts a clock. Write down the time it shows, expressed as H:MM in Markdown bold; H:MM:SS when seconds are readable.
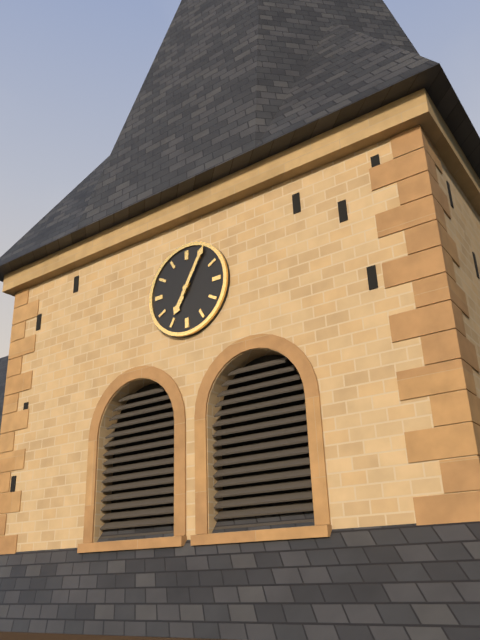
**7:05**
